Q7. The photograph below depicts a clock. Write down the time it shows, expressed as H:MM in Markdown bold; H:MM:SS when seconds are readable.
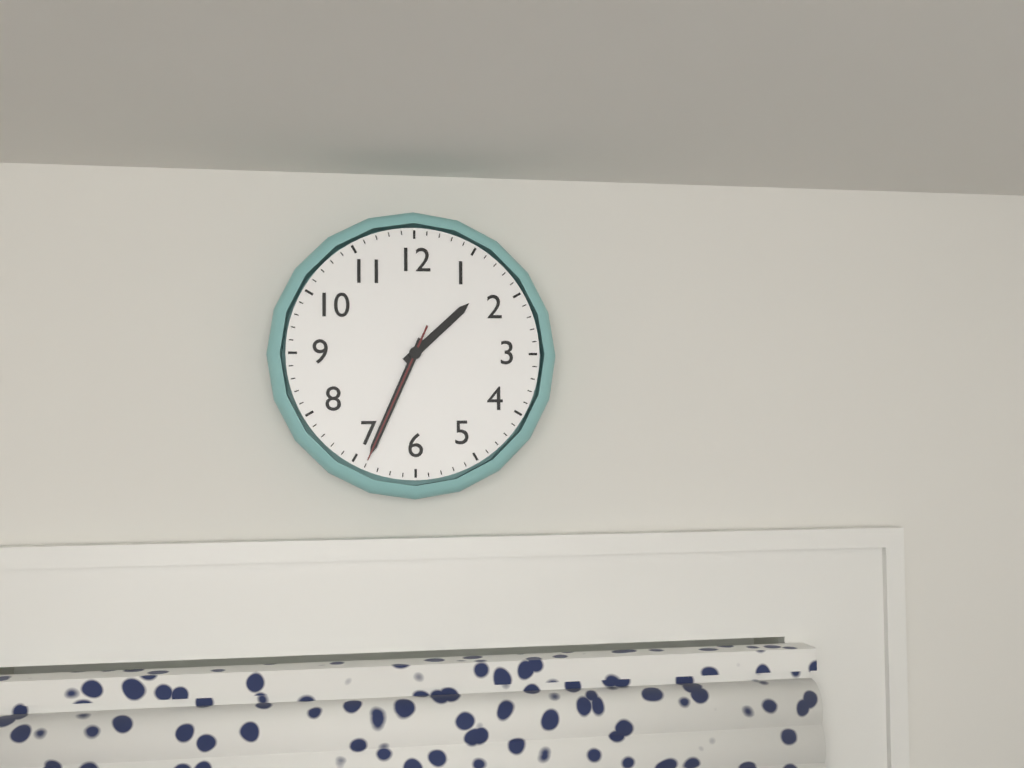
**1:34:34**
